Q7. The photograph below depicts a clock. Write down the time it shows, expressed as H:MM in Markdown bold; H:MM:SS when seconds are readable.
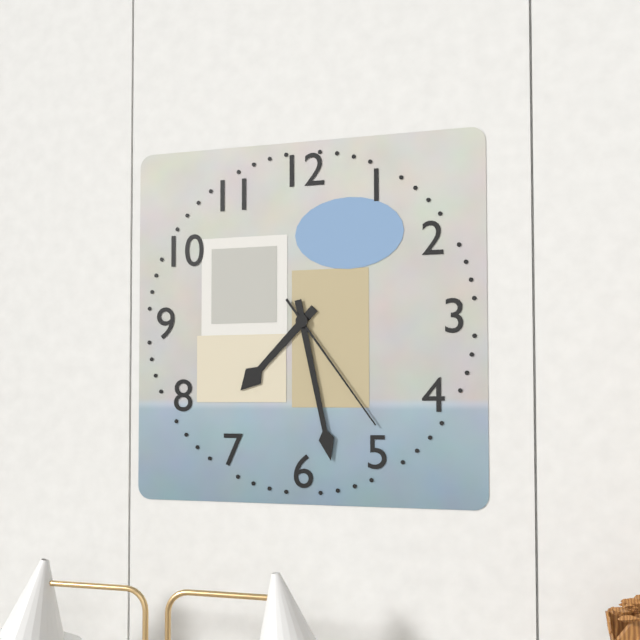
**7:28:24**
